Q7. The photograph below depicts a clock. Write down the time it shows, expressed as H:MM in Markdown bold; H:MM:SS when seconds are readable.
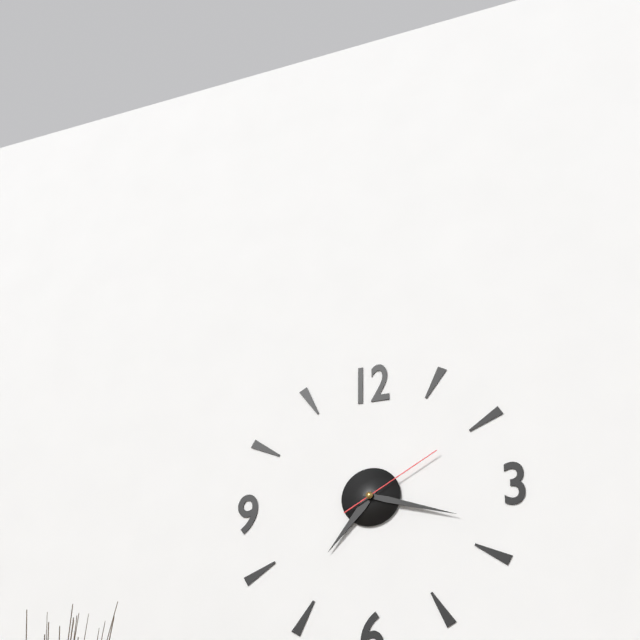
**7:18:10**
